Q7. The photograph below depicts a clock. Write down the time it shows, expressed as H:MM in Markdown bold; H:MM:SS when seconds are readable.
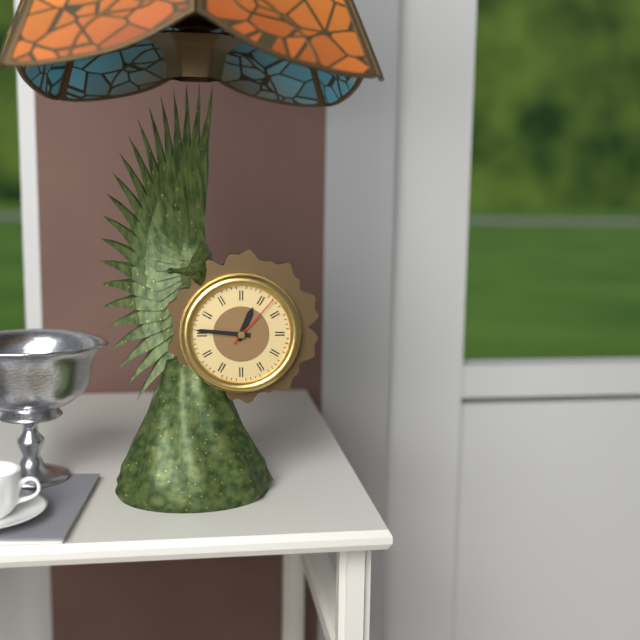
**12:46:07**
